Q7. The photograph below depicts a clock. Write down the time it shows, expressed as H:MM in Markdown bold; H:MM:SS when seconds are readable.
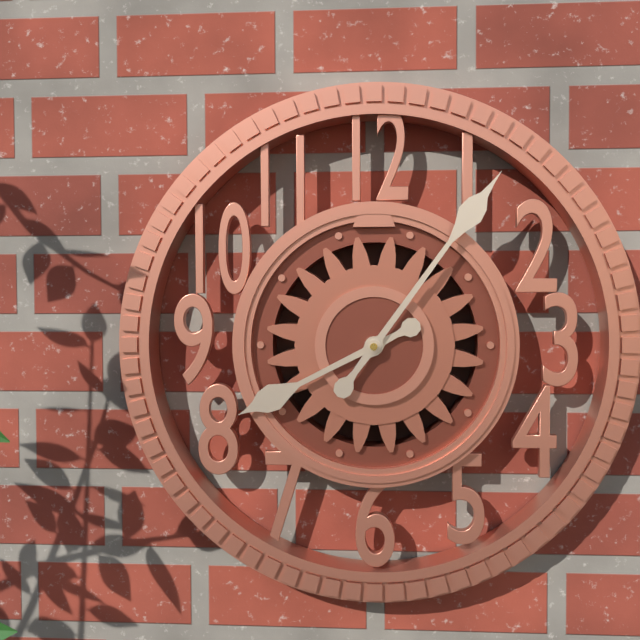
**8:06**
